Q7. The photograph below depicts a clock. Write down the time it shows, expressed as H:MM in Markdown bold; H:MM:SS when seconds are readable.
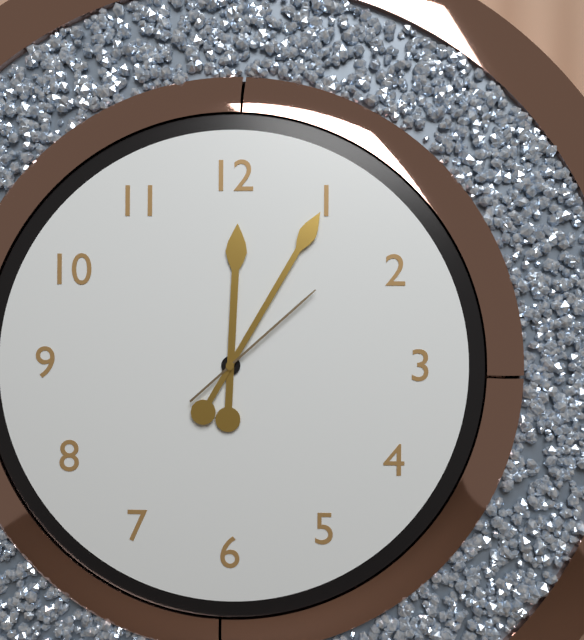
**12:05:08**
